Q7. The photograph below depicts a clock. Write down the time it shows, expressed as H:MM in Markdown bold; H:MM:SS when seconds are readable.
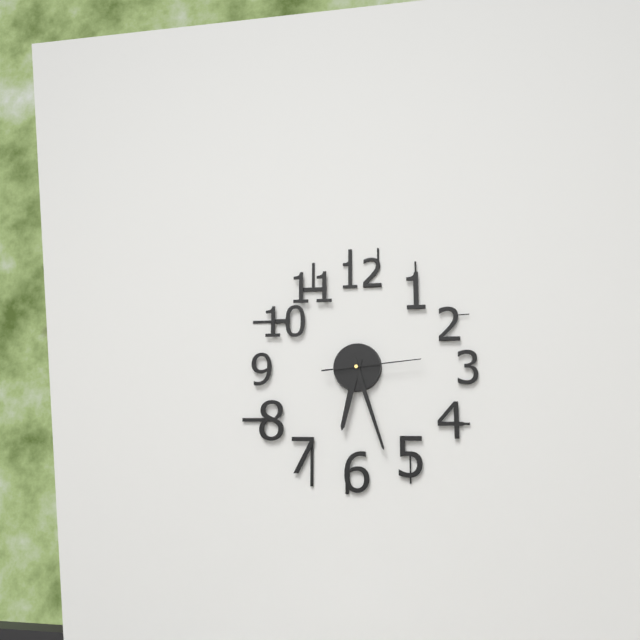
**6:27:14**
